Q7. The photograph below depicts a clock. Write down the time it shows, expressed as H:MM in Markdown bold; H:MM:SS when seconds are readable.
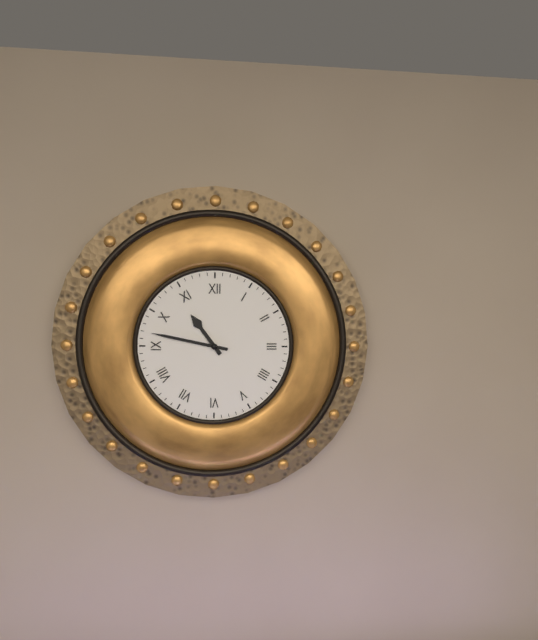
**10:47**
